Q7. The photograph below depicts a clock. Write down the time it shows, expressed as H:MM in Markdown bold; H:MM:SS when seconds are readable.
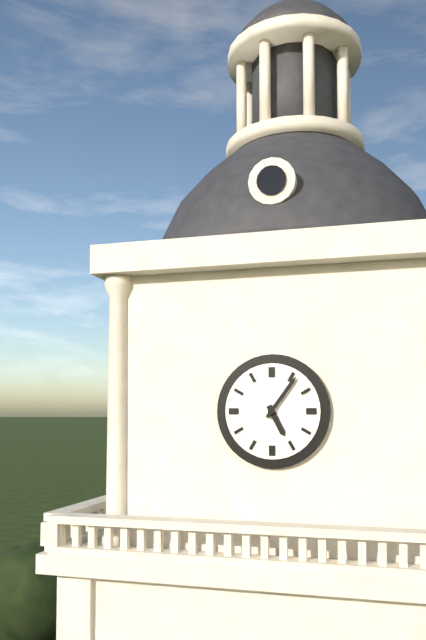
**5:06**
